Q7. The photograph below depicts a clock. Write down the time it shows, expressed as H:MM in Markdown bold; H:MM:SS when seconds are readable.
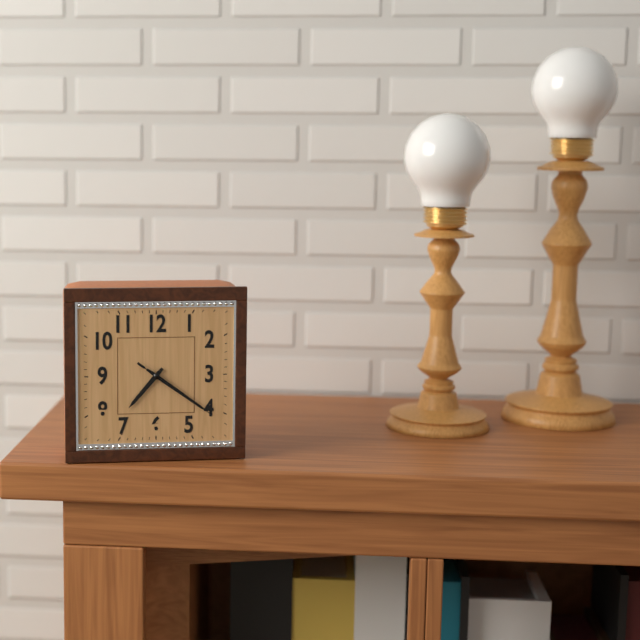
**7:21:21**
